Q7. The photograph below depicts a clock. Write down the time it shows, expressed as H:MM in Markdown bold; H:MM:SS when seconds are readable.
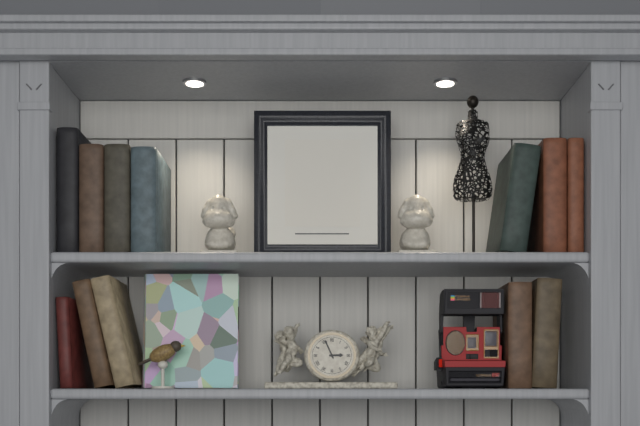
**2:56**
